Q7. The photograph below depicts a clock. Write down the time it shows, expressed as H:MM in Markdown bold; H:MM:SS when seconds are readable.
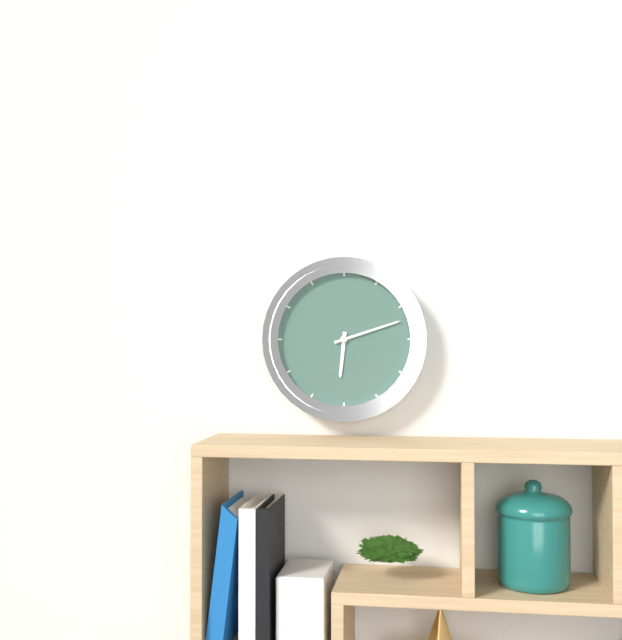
**6:12**
